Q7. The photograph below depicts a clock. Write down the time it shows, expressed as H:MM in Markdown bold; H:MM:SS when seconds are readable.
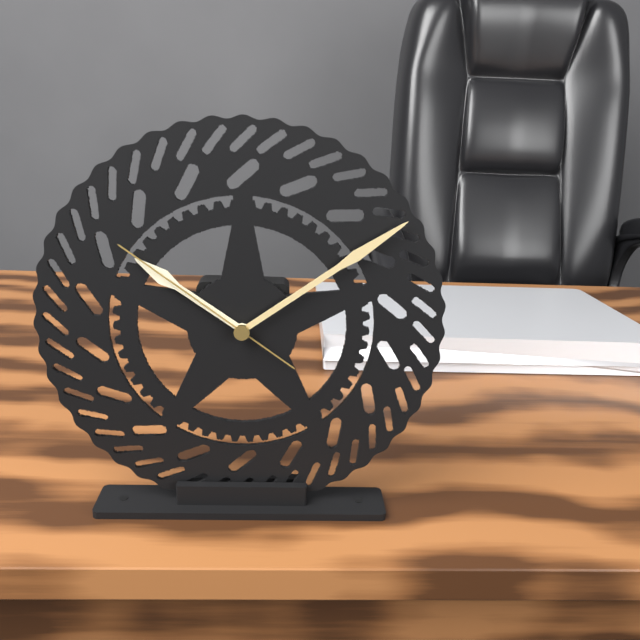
**10:09:51**
